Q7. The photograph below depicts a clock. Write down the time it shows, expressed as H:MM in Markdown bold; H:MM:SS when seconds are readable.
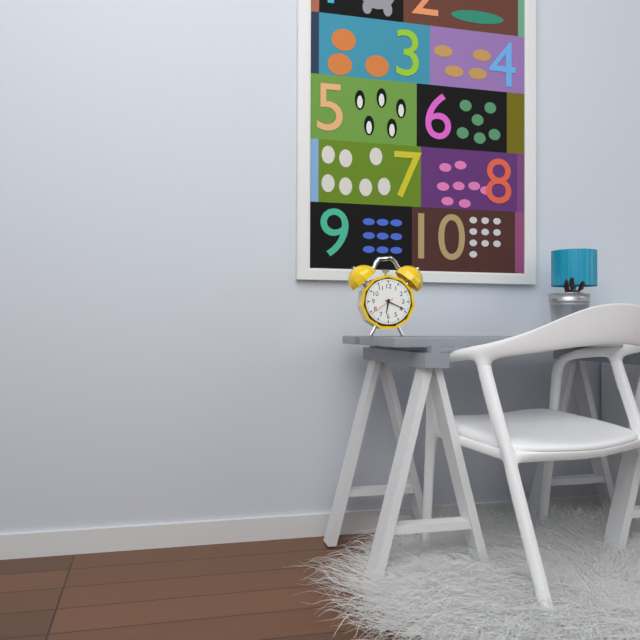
**6:19**
